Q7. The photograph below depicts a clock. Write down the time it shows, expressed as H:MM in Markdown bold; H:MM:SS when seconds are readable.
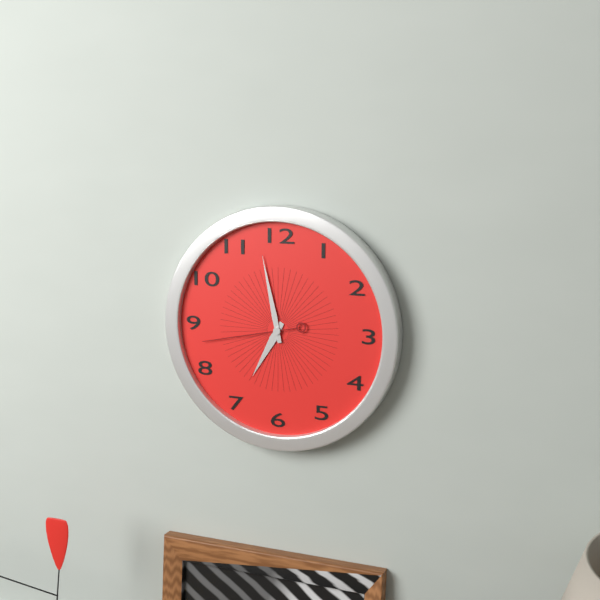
**6:58:43**
